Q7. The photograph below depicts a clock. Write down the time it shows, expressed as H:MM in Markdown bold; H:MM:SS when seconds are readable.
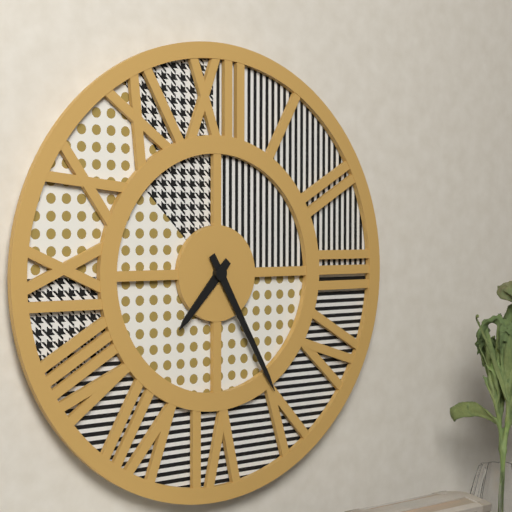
**7:25**
